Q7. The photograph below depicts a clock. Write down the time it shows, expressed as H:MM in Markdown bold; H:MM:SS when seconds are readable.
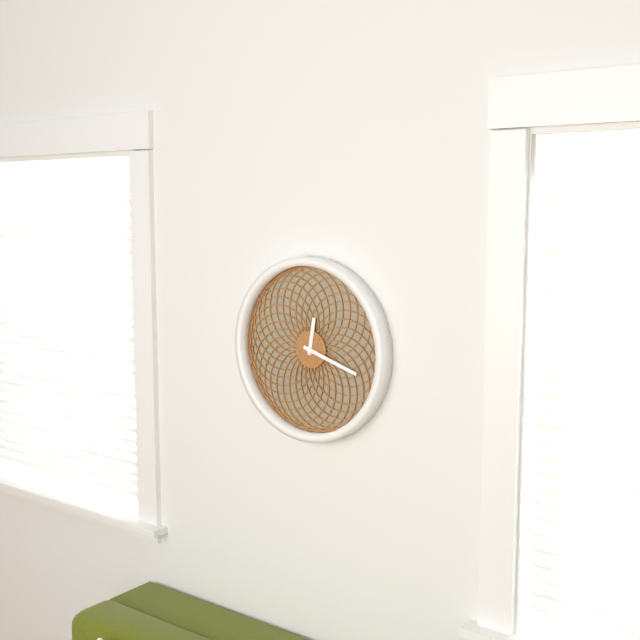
**12:18**
